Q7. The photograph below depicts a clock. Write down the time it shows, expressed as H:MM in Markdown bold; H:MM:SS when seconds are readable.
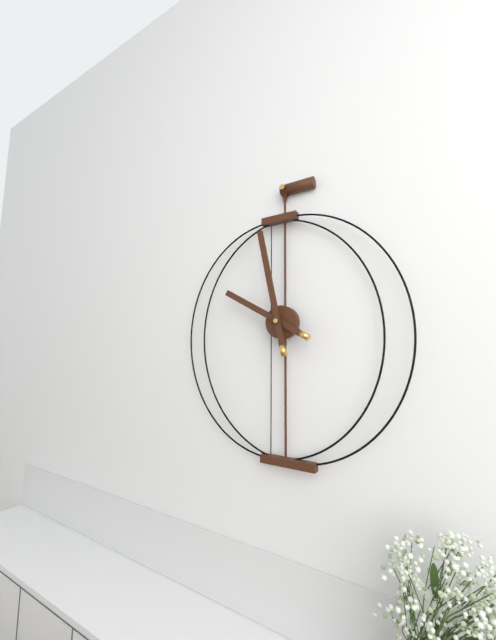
**9:58**
